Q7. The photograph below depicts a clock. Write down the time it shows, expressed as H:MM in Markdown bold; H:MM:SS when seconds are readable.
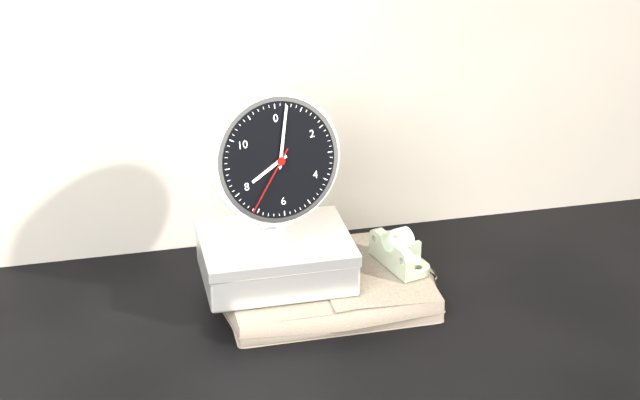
**8:02:36**
